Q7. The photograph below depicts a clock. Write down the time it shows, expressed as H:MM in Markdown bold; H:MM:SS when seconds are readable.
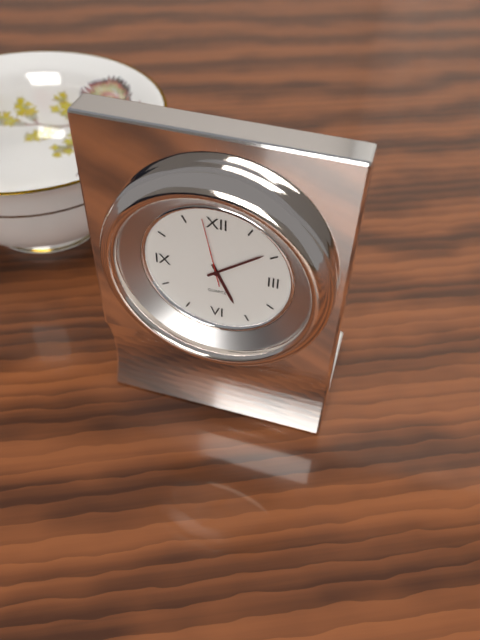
**5:09:58**
